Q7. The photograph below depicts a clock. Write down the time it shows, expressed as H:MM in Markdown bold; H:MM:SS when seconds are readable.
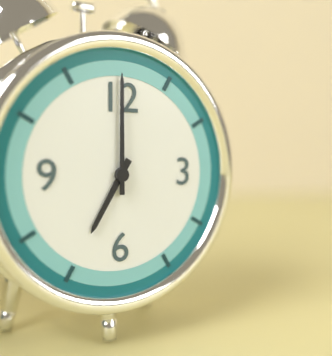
**7:00**
